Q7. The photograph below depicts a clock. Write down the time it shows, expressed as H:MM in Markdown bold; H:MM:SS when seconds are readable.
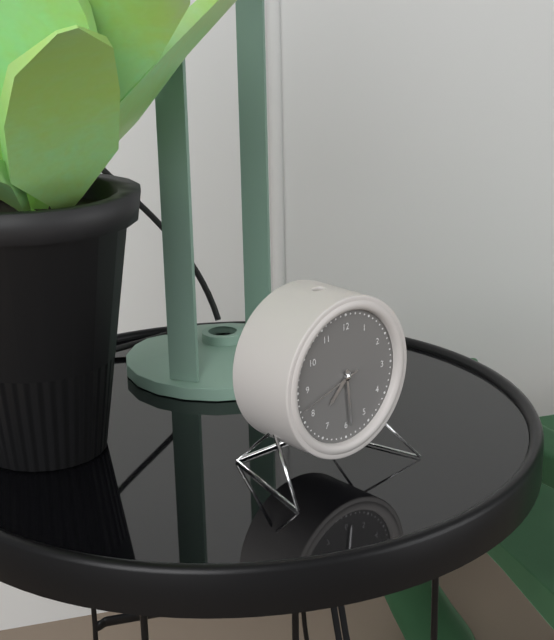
**7:29:42**
